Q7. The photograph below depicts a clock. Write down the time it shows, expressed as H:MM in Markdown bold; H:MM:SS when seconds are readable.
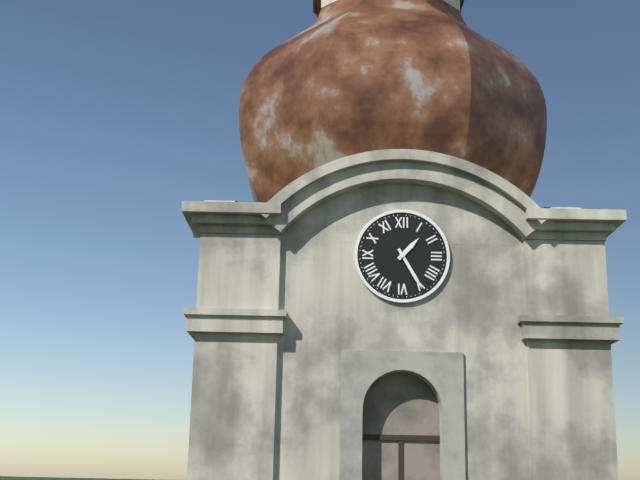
**1:25**
